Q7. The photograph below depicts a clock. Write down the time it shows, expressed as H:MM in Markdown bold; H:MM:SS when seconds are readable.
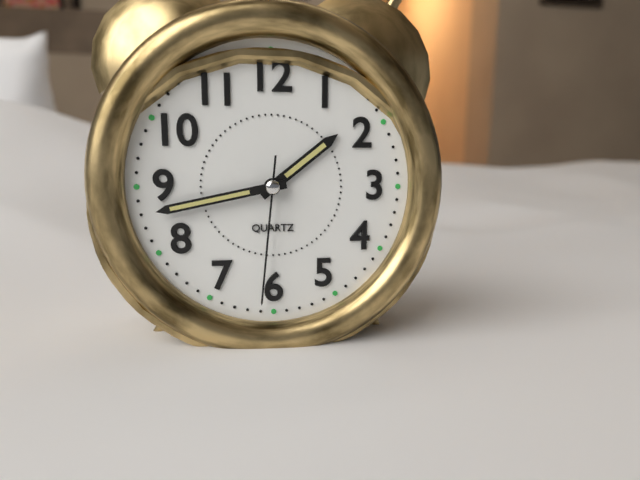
**1:43:31**
